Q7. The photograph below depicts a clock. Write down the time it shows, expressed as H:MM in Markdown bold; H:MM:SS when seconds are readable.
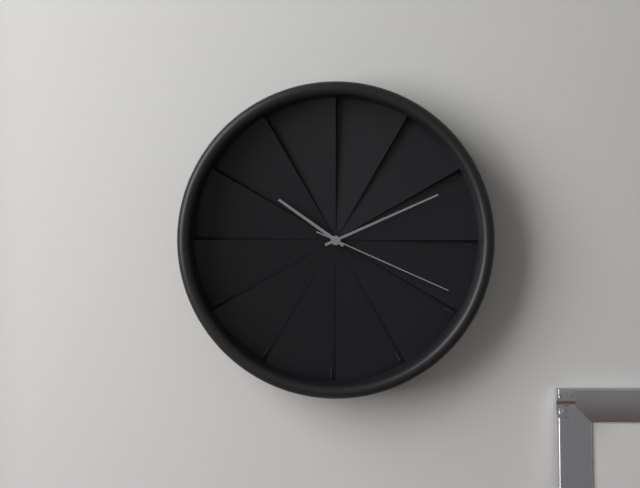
**10:11:19**
